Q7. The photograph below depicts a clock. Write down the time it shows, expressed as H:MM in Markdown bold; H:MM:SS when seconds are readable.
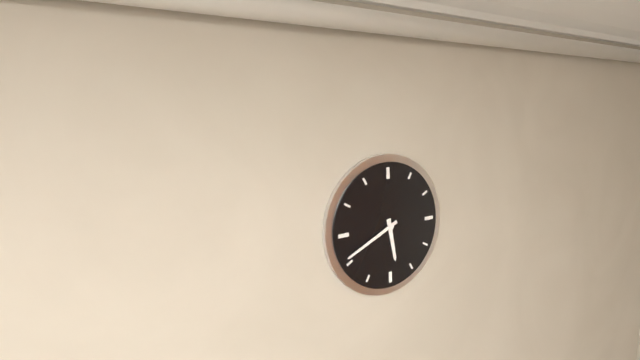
**5:41**
